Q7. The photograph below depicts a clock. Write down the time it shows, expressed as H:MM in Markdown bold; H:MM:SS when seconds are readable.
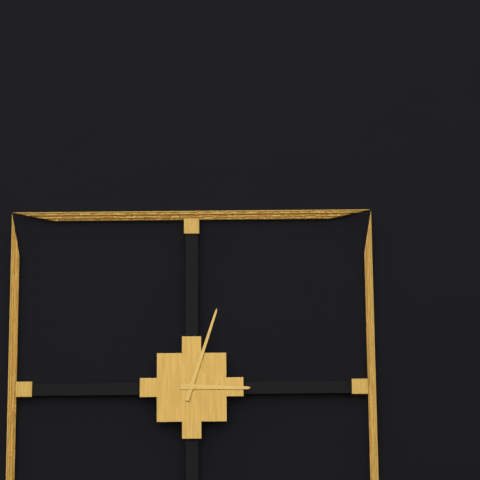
**3:03**
